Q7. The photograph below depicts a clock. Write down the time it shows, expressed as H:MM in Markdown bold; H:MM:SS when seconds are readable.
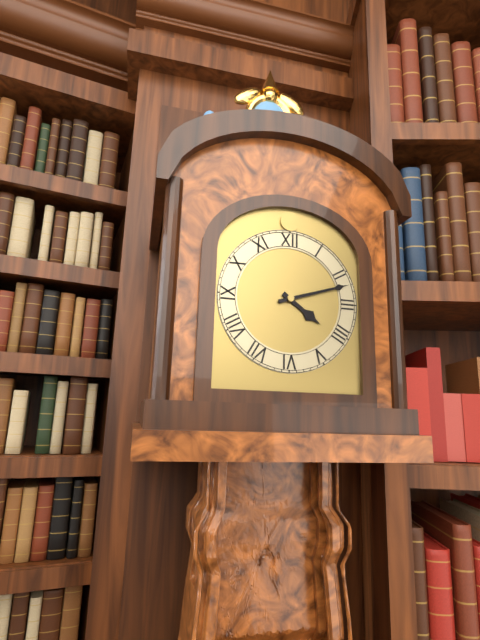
**4:12**
